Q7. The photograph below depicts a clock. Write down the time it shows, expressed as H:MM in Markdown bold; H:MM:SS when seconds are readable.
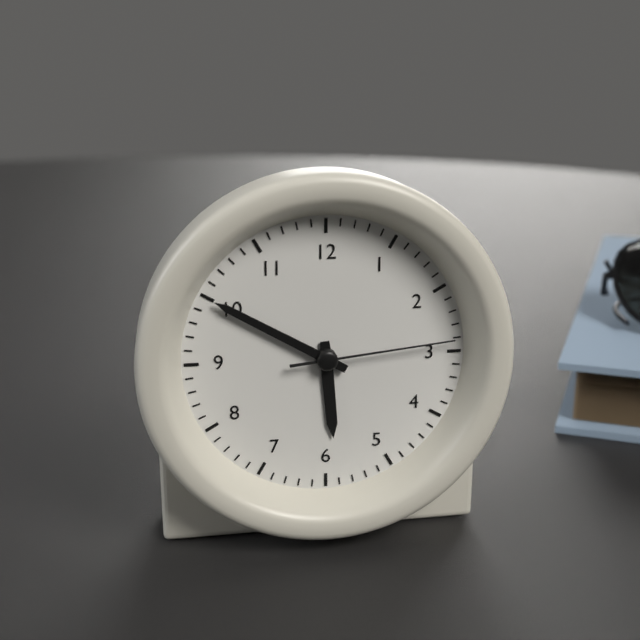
**5:50:14**
